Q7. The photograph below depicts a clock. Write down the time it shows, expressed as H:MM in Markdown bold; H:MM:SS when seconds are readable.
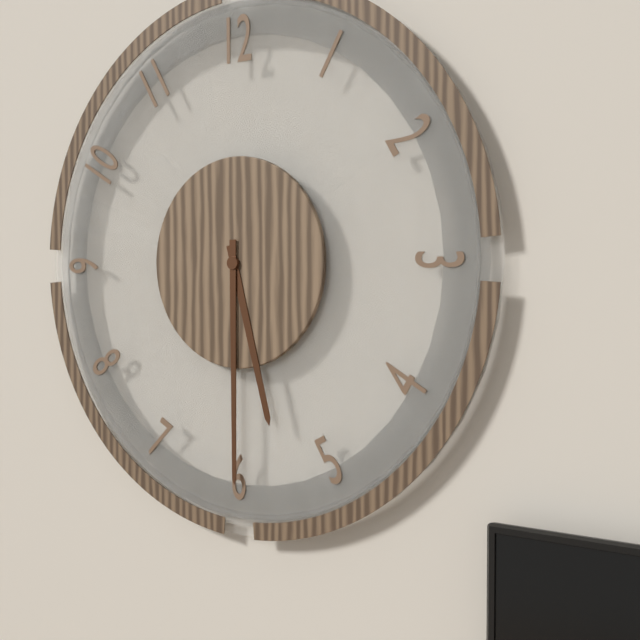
**5:30**
